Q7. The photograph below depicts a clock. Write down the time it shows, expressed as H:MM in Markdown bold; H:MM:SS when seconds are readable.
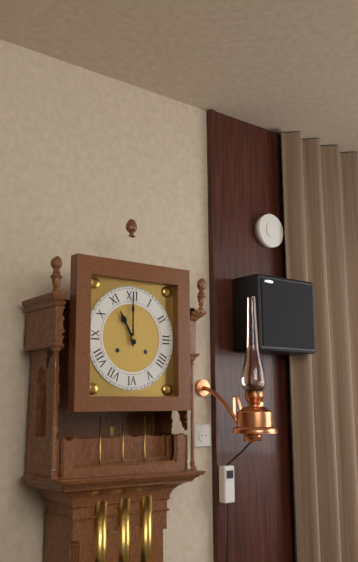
**11:00**
